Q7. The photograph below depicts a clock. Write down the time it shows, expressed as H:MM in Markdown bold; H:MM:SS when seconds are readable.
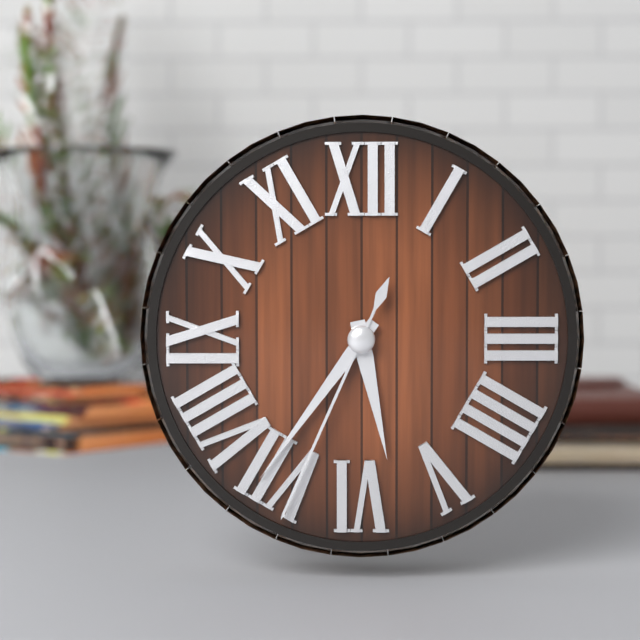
**5:36:34**
